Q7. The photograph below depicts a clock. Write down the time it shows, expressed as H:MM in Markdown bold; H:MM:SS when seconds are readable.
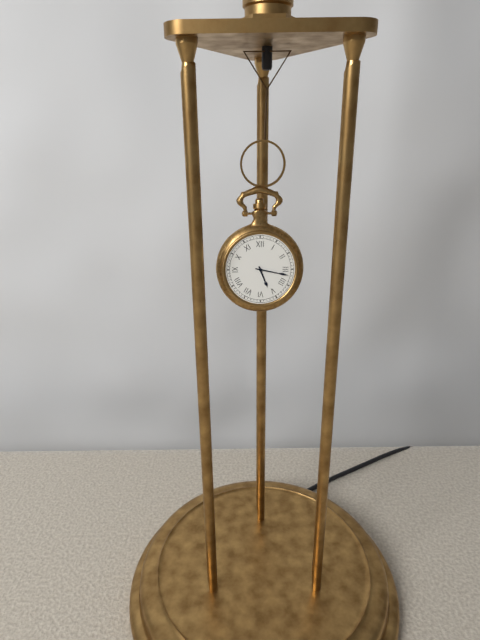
**5:17**
